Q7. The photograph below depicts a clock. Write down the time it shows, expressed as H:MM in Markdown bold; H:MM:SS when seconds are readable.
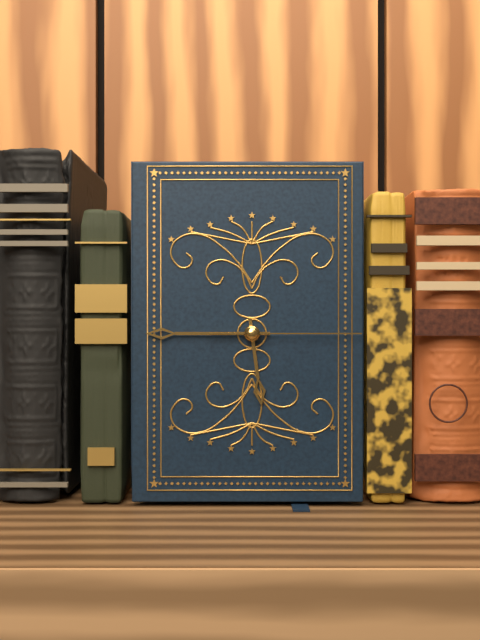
**5:45:15**
